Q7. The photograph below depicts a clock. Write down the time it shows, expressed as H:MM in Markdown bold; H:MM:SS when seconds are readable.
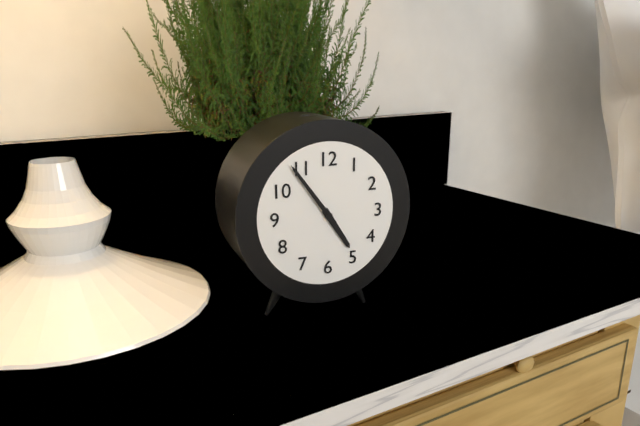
**4:54**
